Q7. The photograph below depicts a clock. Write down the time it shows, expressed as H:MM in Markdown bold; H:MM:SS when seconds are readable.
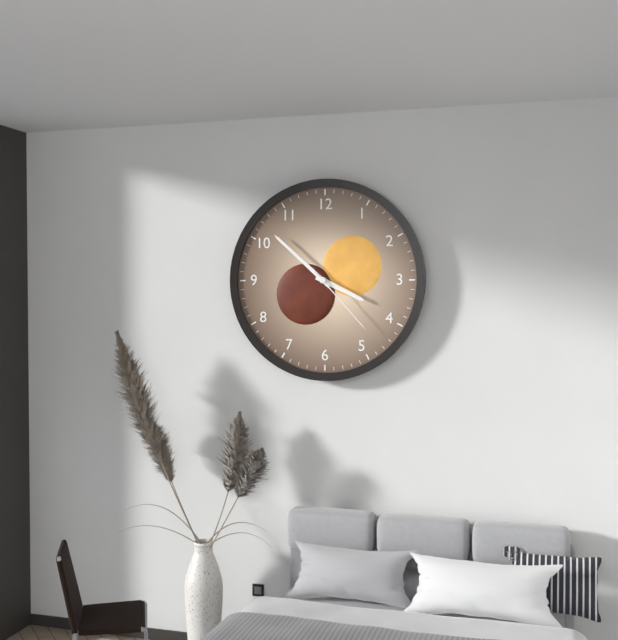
**3:52:23**
